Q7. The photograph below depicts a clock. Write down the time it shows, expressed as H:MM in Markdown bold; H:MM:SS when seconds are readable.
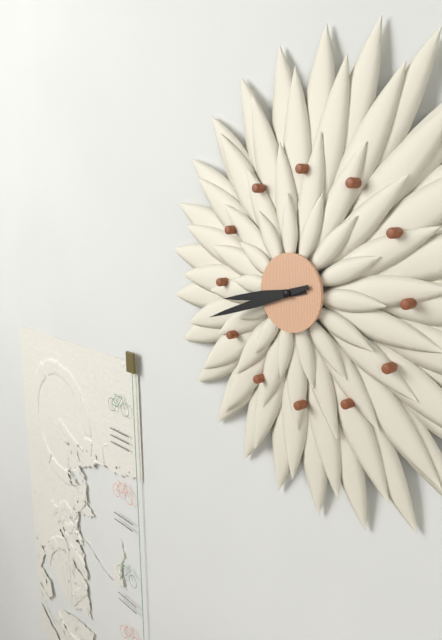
**8:42**
